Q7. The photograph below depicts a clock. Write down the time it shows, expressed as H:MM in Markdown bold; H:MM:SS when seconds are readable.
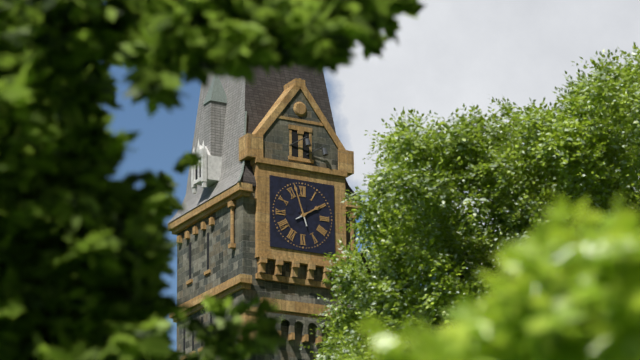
**1:57**
